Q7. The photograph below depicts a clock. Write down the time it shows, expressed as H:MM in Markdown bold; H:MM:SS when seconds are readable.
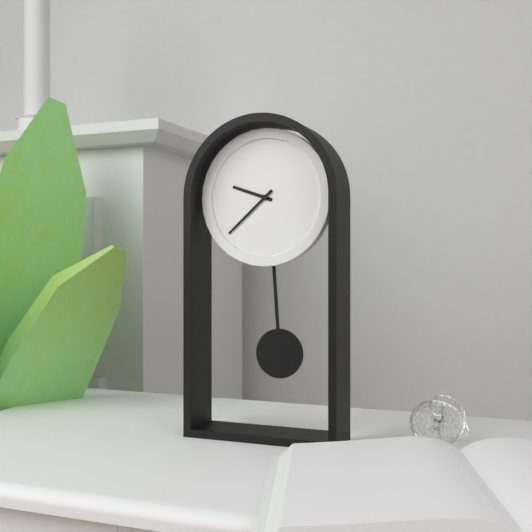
**9:38**
